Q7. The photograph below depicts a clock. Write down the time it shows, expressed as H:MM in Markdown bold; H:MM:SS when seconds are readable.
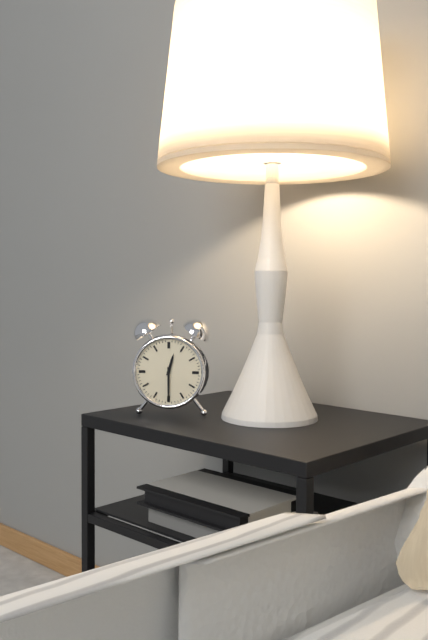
**12:30**
